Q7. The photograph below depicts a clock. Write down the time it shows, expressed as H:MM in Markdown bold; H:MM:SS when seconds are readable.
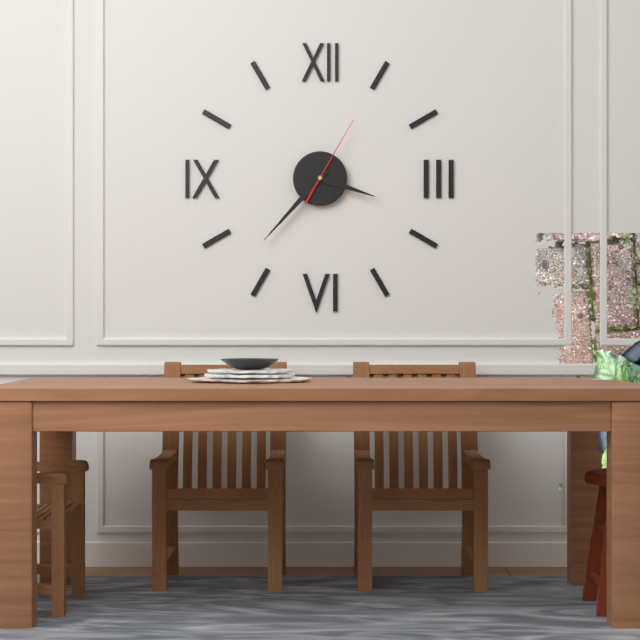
**3:37:05**
